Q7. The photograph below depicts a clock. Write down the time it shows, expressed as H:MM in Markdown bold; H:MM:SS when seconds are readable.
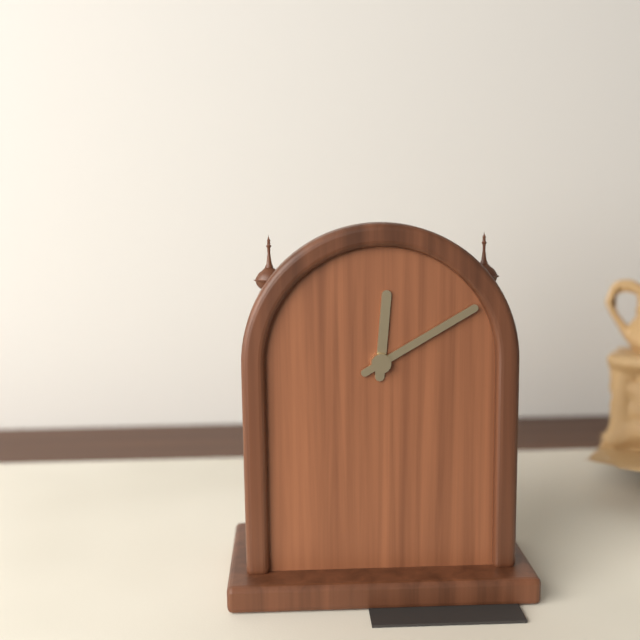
**12:10**
